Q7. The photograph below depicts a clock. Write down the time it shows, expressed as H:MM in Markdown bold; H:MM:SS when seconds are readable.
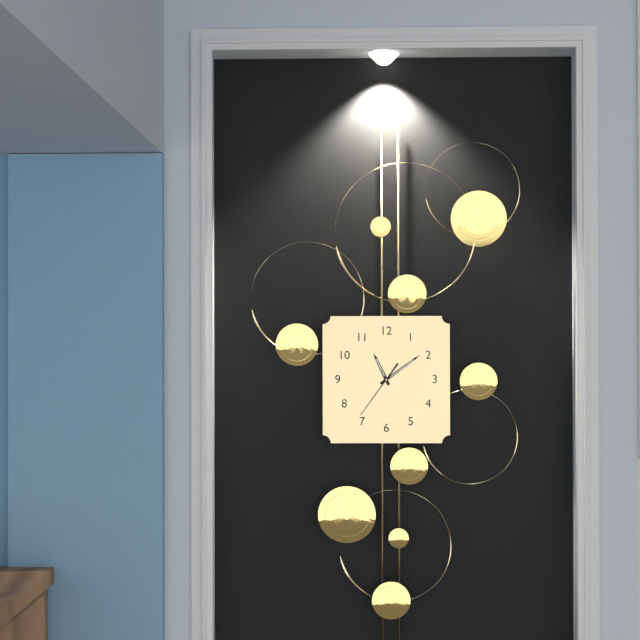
**11:09:36**
